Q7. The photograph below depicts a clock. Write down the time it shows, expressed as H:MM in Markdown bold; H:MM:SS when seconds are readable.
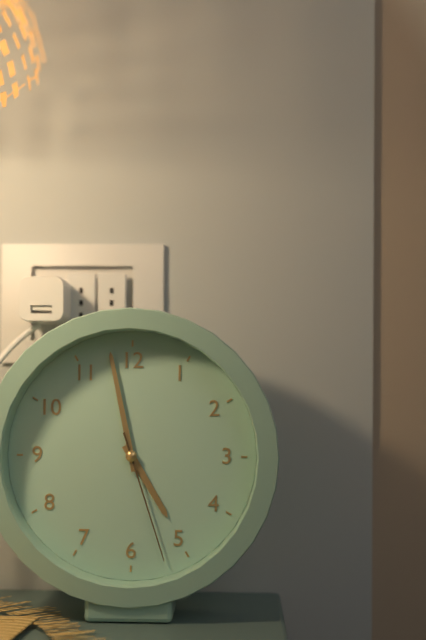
**4:58:27**
